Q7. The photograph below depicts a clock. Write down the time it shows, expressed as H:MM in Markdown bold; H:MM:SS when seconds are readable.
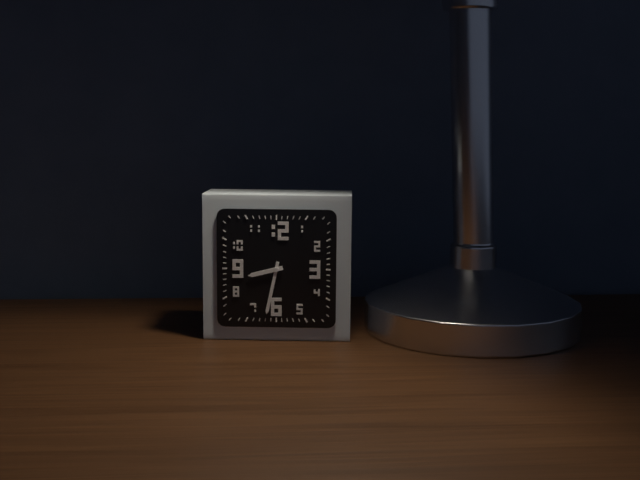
**8:32**
